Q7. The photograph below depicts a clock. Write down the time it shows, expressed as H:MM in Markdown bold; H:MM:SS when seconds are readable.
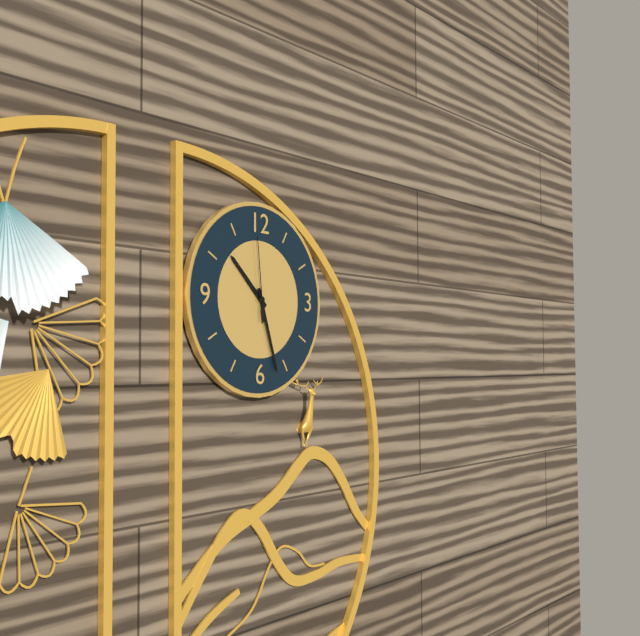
**10:27:59**
